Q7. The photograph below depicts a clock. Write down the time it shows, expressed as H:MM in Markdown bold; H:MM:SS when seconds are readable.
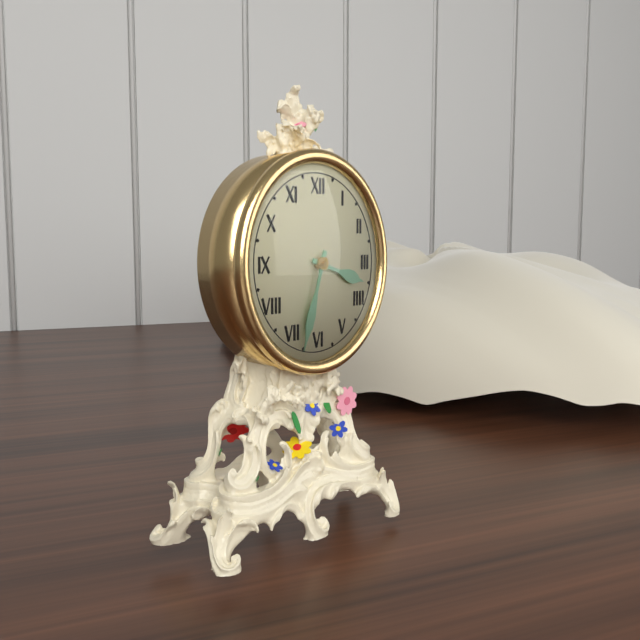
**3:33**
